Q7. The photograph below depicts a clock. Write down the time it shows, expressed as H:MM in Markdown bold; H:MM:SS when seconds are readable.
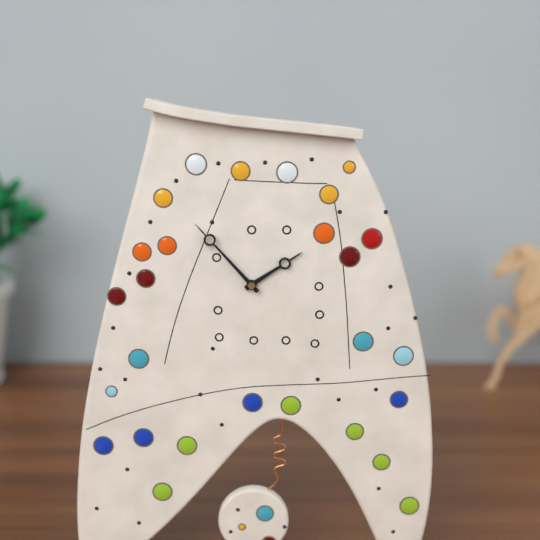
**1:53**
